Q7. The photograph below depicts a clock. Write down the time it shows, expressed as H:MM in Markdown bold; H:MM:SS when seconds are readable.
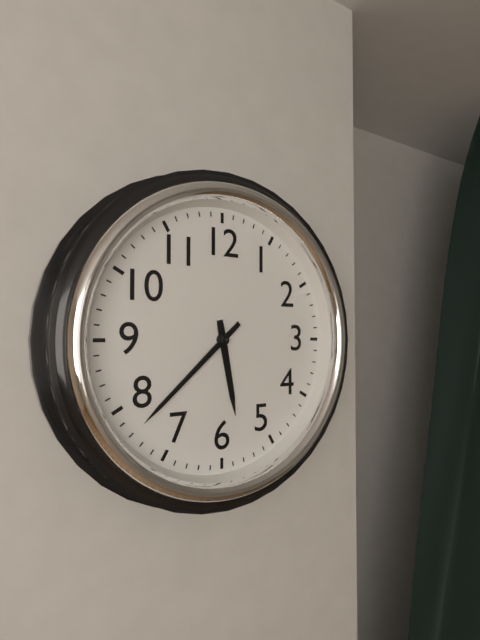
**5:38**
